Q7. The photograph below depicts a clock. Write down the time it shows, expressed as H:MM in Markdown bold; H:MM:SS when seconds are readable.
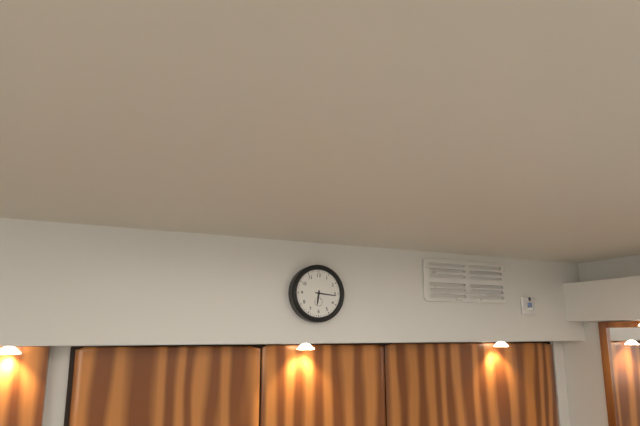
**6:16**
